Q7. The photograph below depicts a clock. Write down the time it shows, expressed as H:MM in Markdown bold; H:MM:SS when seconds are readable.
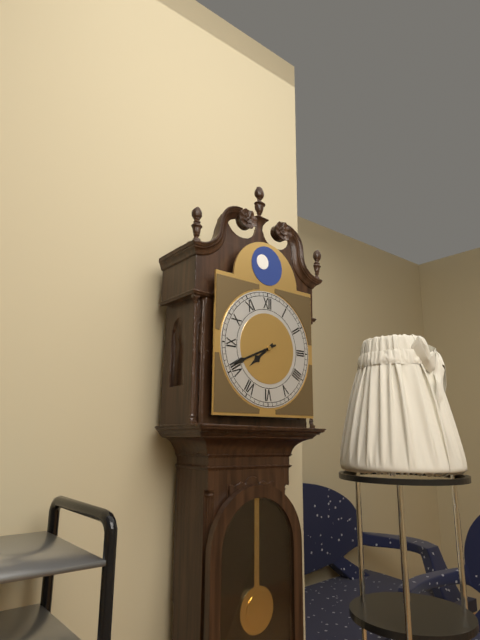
**7:41**
